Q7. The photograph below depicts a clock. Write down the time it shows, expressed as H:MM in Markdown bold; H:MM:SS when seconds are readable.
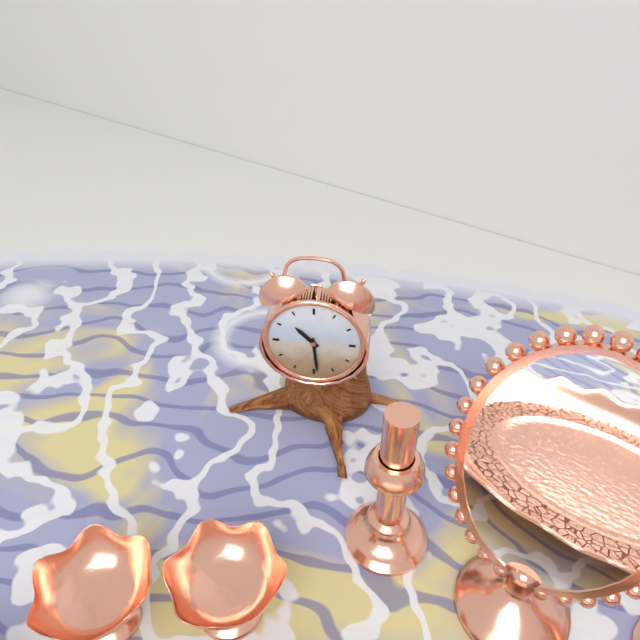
**10:29**
